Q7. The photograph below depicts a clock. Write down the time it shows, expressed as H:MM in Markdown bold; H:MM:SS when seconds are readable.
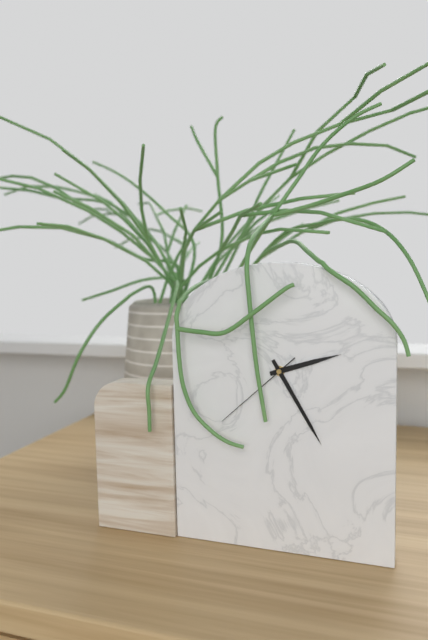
**2:25:38**
